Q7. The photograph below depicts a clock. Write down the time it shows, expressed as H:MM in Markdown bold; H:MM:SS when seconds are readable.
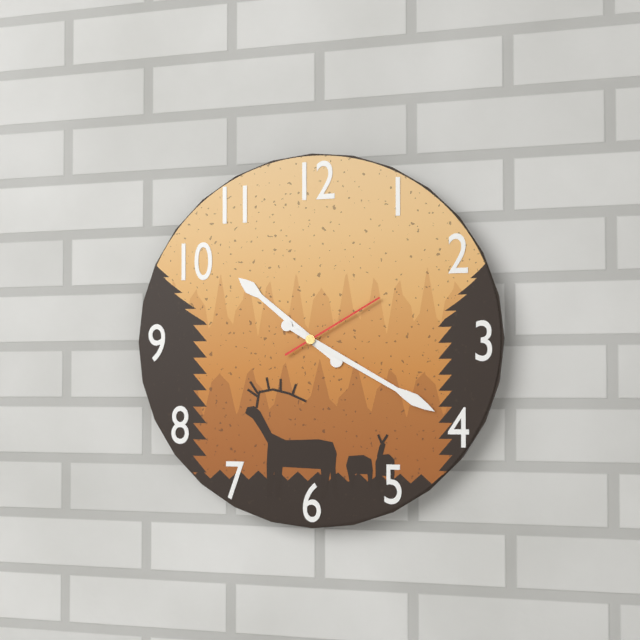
**10:20:10**
